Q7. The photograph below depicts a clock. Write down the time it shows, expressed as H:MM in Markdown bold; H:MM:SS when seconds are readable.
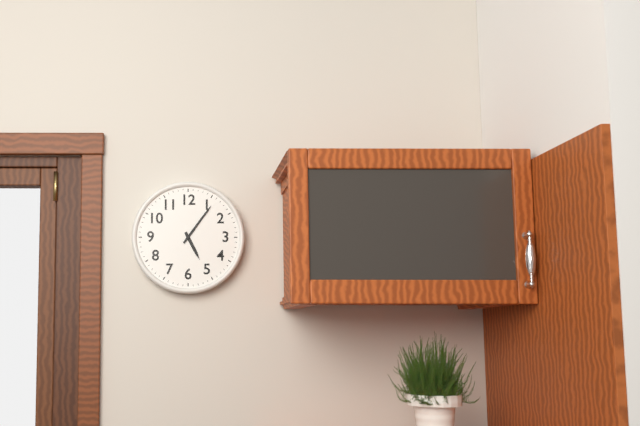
**5:06**
